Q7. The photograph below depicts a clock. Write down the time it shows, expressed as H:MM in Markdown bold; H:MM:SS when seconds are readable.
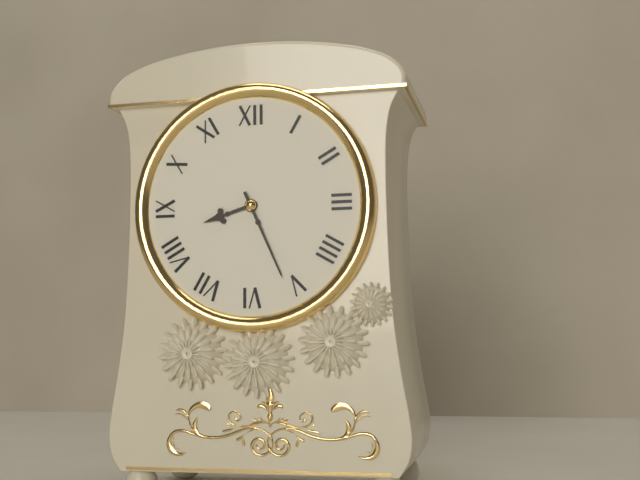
**8:26**
